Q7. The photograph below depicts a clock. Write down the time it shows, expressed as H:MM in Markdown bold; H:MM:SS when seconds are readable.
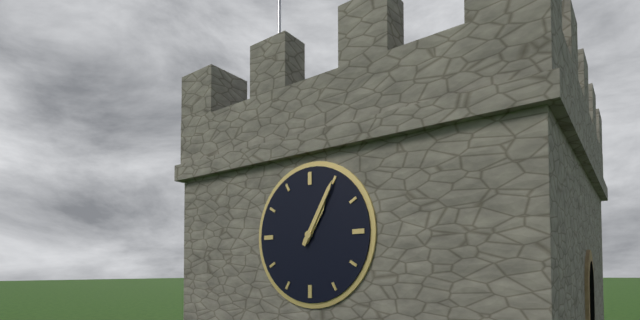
**1:05**
